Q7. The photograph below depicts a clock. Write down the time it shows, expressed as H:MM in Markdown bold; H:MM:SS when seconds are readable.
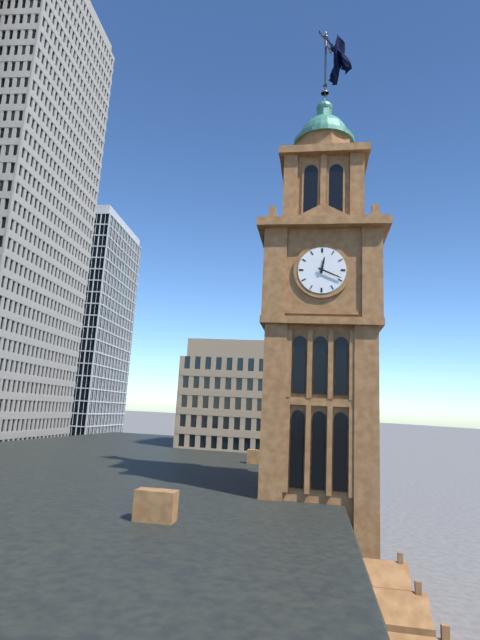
**12:19**
